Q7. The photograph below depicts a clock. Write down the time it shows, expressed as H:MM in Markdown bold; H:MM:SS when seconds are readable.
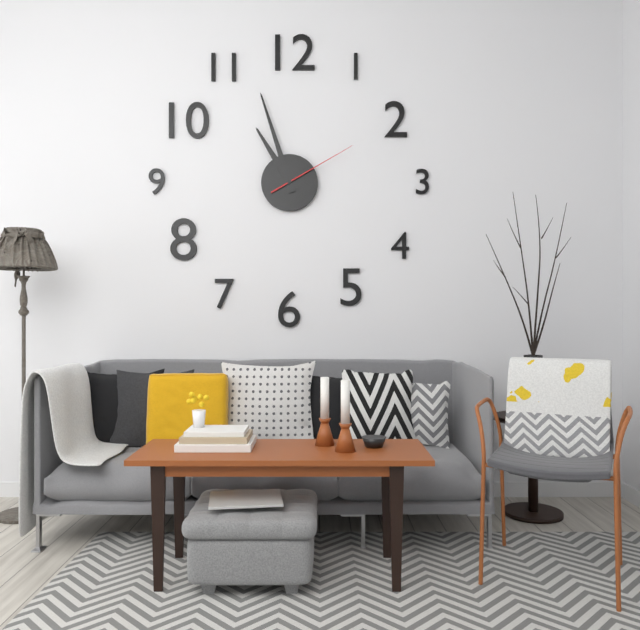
**10:57:10**
